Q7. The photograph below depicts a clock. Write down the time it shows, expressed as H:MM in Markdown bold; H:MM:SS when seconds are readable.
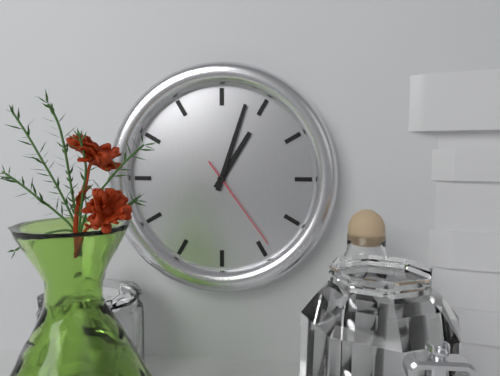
**1:03:24**
